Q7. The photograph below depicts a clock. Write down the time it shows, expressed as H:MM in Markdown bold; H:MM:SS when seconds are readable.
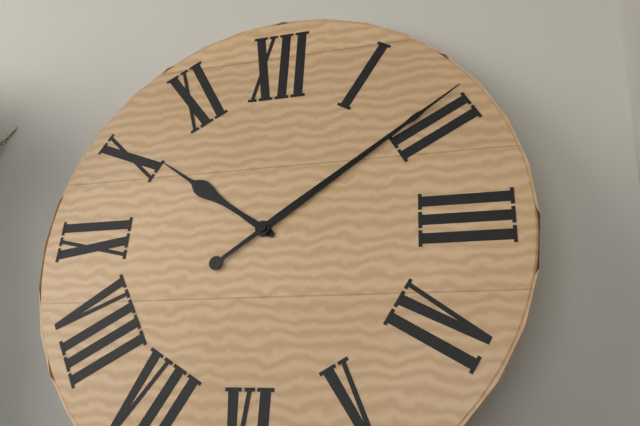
**10:09**
